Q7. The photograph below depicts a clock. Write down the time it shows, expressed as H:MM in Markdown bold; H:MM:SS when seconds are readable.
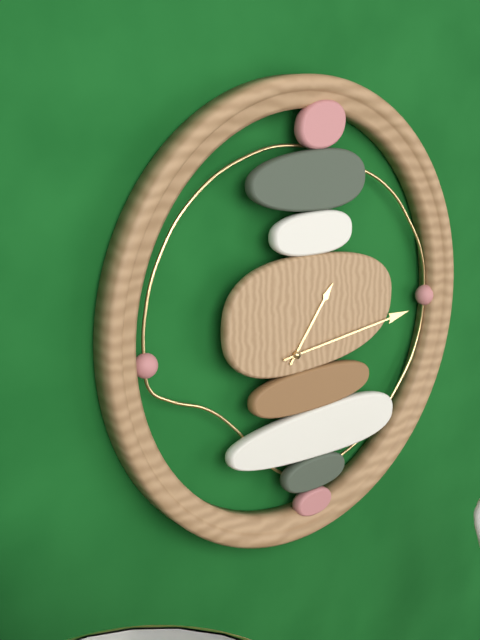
**1:14**
